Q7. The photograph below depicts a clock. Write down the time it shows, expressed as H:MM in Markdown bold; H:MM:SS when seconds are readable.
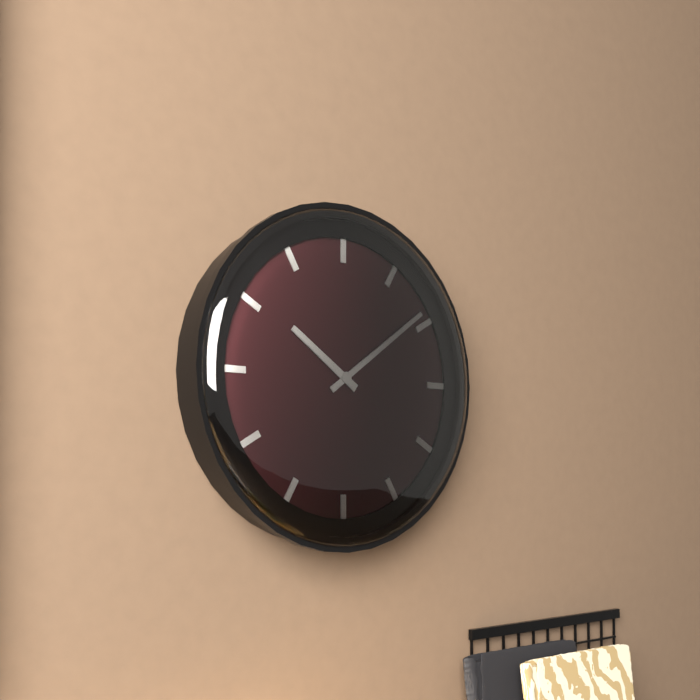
**10:09**
